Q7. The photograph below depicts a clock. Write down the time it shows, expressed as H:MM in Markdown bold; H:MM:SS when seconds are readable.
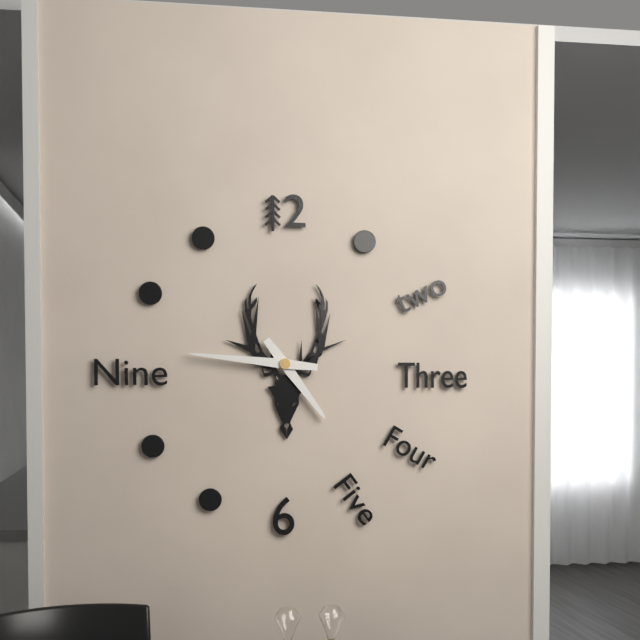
**4:46**
